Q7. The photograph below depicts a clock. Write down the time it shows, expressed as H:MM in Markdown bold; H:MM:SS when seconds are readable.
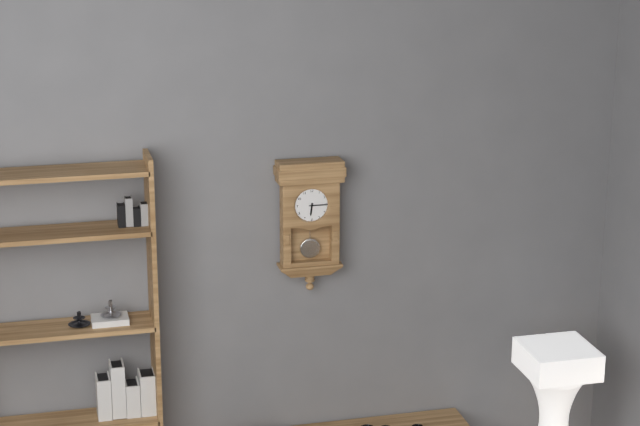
**6:15**
